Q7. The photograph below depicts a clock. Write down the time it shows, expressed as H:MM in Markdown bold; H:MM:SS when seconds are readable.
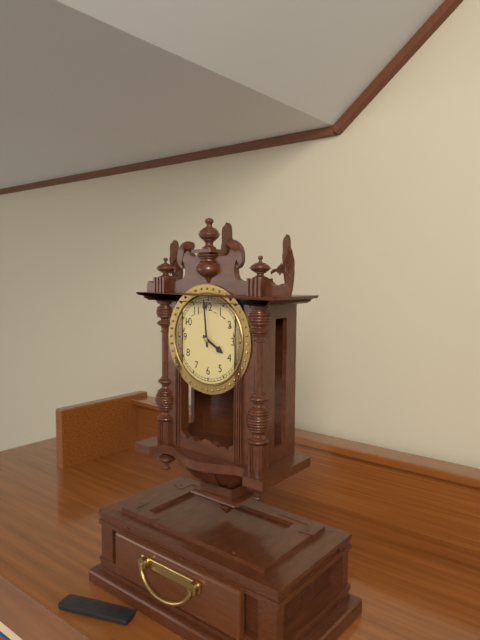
**3:59**
